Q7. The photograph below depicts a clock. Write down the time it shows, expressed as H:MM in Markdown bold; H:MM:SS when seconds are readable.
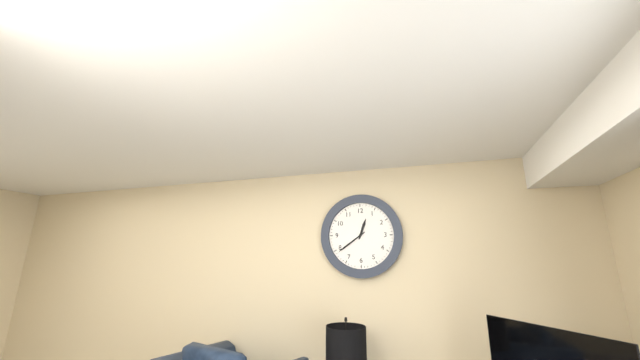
**12:39**
